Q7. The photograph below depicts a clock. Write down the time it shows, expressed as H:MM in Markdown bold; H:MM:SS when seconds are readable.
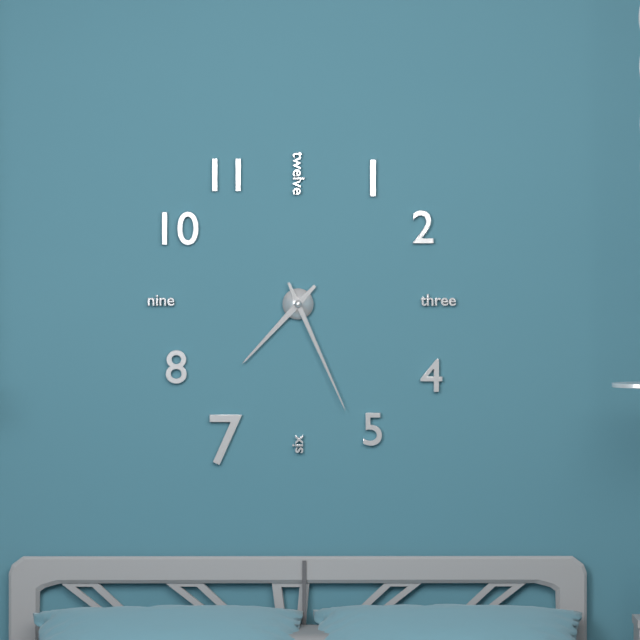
**7:26**
